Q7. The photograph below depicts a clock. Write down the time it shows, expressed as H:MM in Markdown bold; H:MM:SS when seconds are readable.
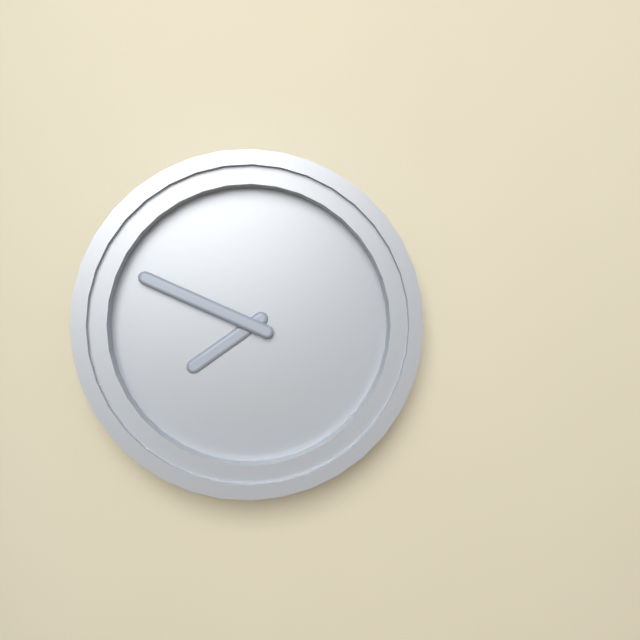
**7:49**
